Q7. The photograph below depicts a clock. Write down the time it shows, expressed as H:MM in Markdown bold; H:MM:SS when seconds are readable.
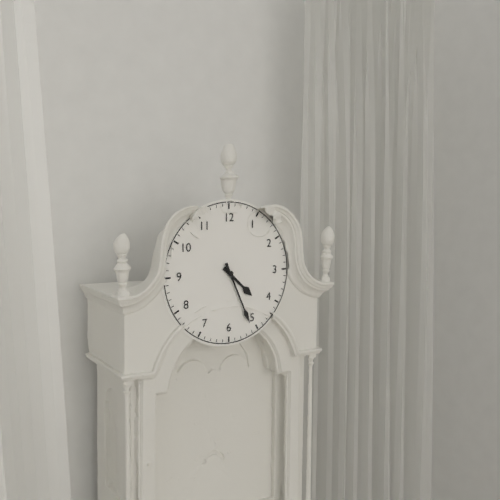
**4:26**
